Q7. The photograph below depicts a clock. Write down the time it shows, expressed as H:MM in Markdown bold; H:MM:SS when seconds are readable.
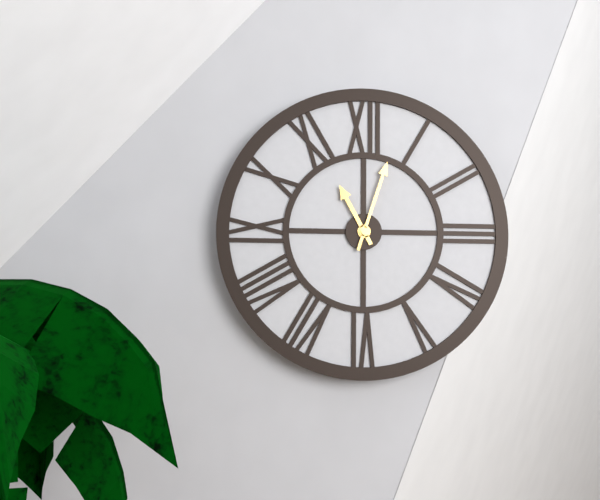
**11:03**
